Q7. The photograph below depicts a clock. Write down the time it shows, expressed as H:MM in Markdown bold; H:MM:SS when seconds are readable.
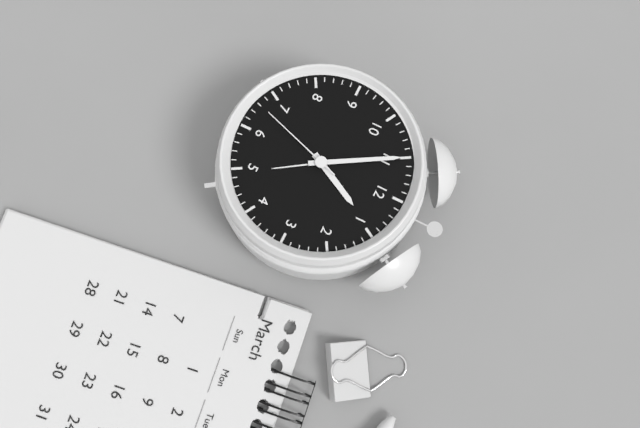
**12:55:33**
